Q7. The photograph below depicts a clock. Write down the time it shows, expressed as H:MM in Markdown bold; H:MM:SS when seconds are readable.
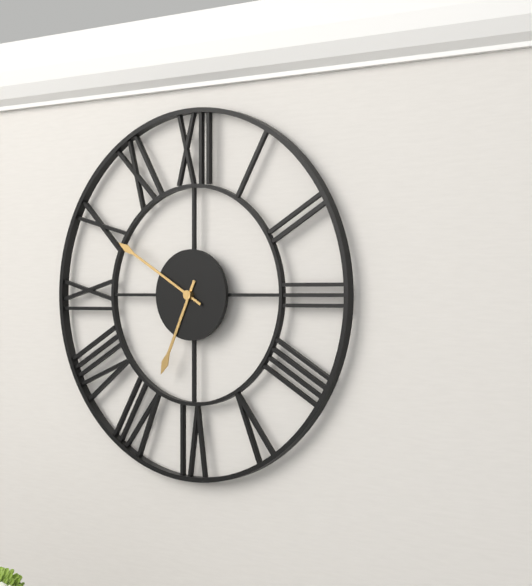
**6:50**
